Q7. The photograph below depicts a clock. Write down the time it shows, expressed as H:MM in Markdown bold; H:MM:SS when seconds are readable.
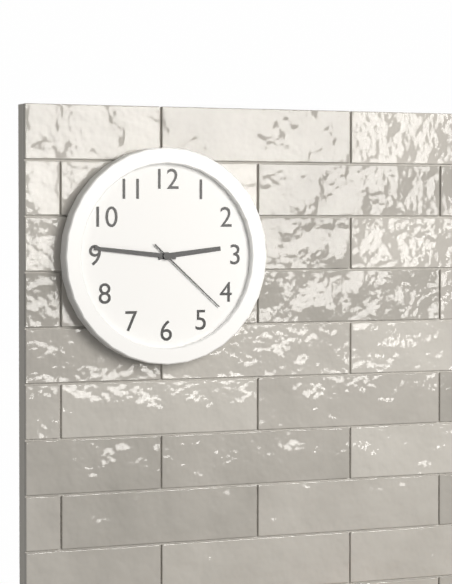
**2:46:22**
